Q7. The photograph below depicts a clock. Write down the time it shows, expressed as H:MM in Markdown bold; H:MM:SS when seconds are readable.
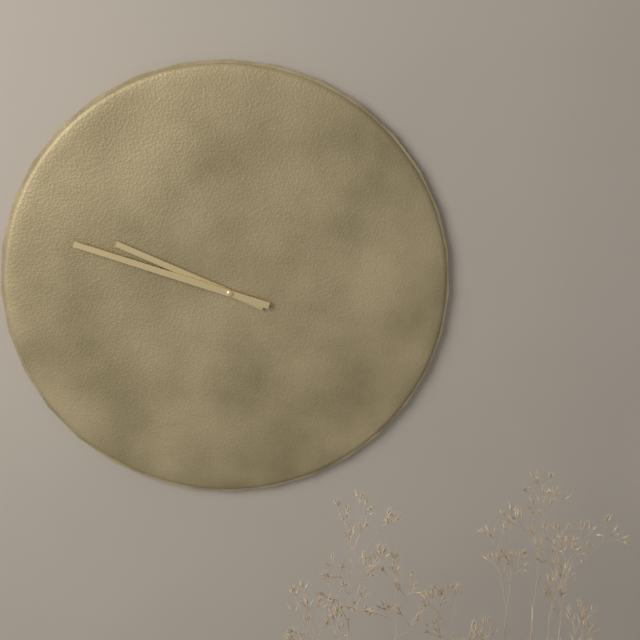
**9:48**
